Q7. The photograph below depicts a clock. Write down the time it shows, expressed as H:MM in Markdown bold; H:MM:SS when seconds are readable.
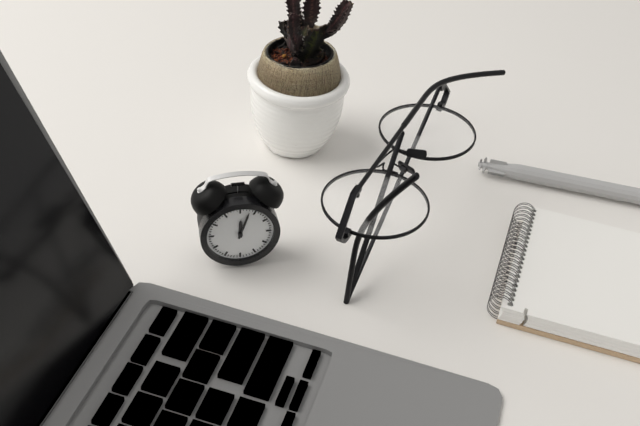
**12:03**
